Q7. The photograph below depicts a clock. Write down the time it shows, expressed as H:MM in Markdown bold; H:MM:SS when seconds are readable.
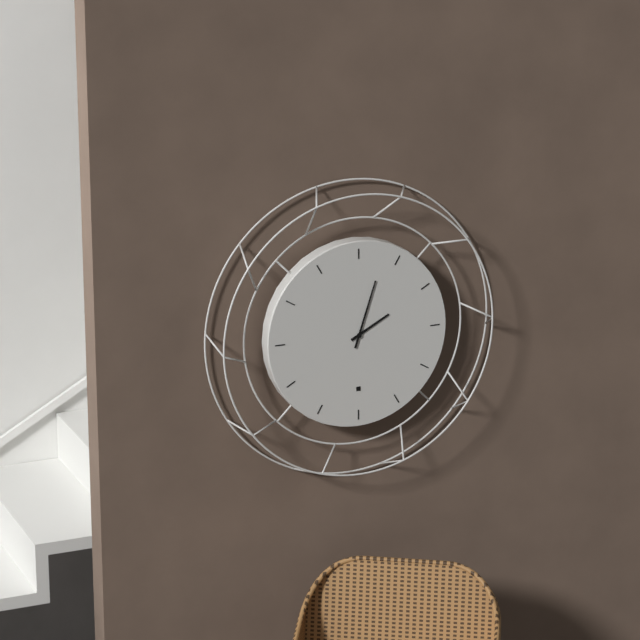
**2:03**
